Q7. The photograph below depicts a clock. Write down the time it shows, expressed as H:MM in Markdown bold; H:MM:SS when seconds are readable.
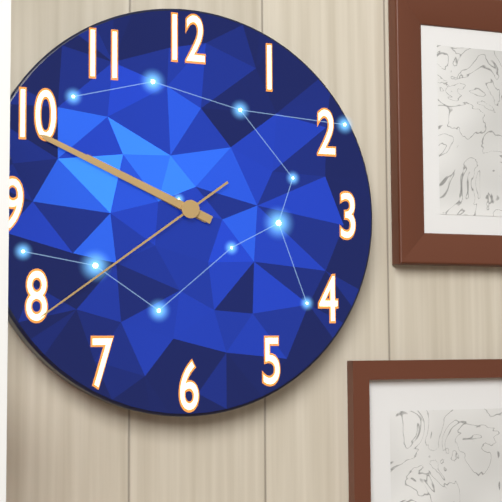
**9:49:39**
